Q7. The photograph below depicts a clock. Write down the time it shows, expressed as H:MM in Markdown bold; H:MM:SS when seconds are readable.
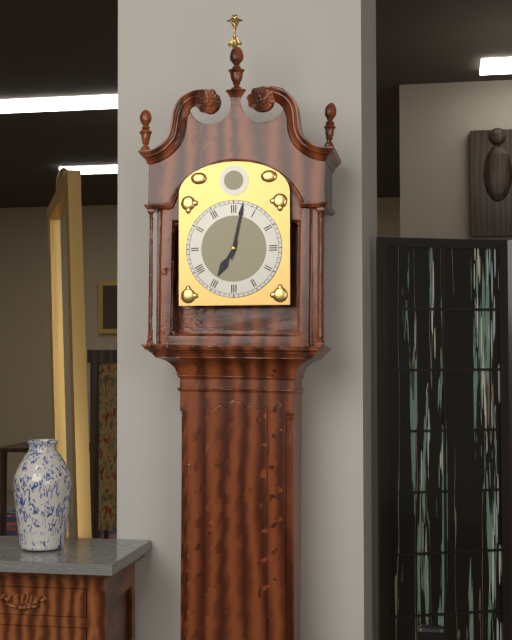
**7:02**
